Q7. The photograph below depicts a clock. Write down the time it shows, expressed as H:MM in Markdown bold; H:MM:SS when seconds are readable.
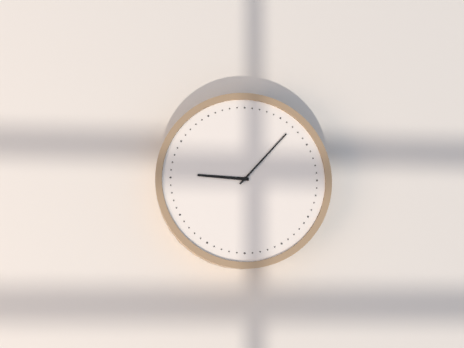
**9:07**
